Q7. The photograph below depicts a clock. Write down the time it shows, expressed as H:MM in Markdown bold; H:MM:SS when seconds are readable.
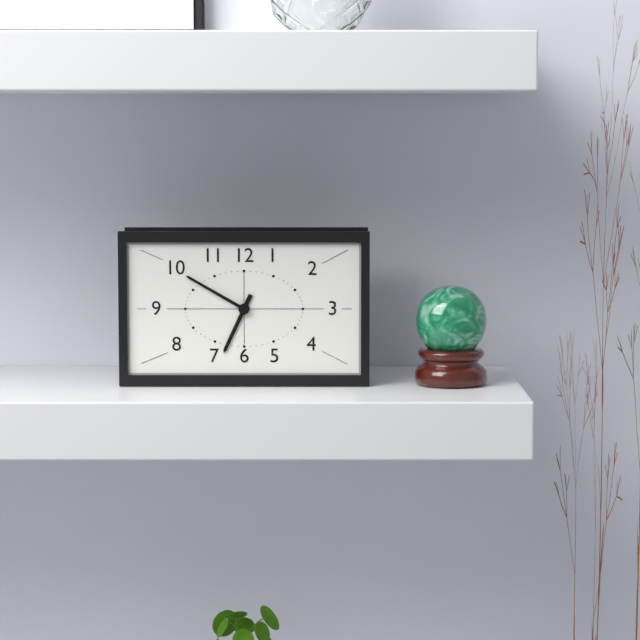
**6:50**
